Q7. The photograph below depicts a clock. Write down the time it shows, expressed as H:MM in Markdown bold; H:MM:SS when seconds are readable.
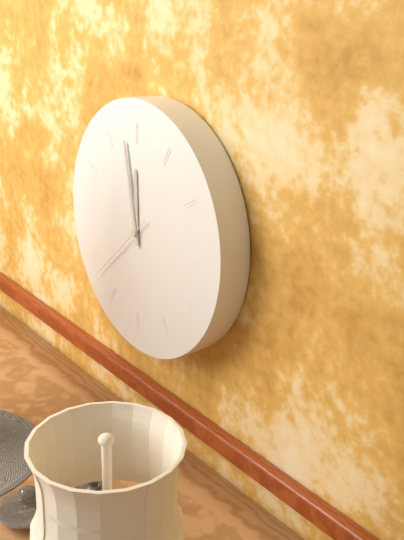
**11:58:38**
